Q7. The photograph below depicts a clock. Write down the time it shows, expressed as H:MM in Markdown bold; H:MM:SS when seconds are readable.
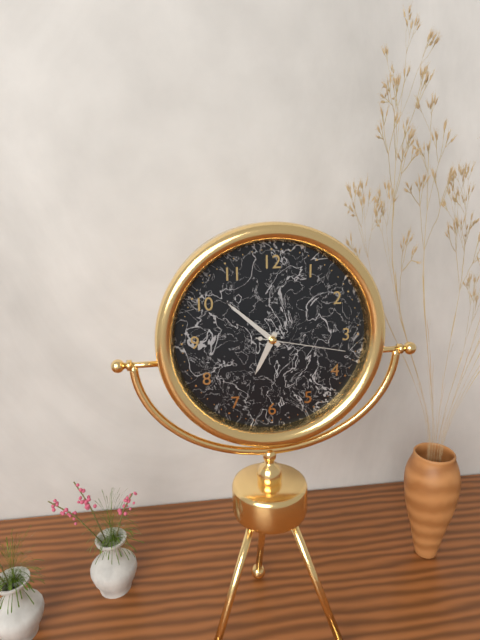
**6:52:17**
